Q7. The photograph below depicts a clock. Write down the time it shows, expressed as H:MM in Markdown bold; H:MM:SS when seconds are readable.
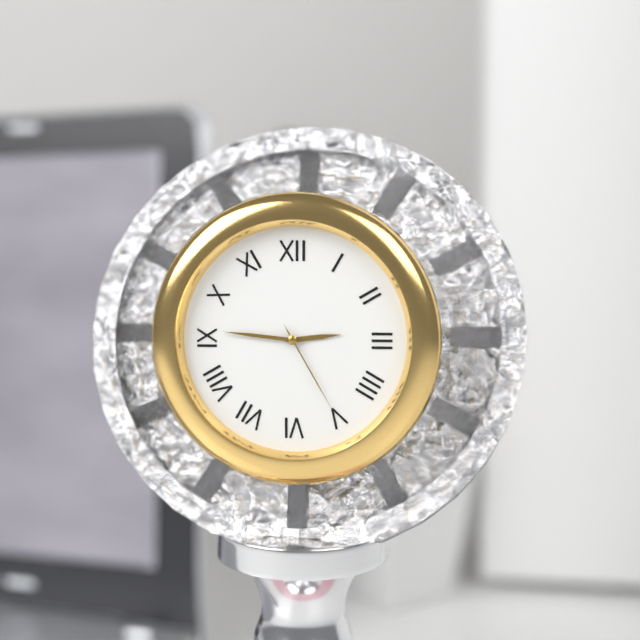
**2:46:25**
